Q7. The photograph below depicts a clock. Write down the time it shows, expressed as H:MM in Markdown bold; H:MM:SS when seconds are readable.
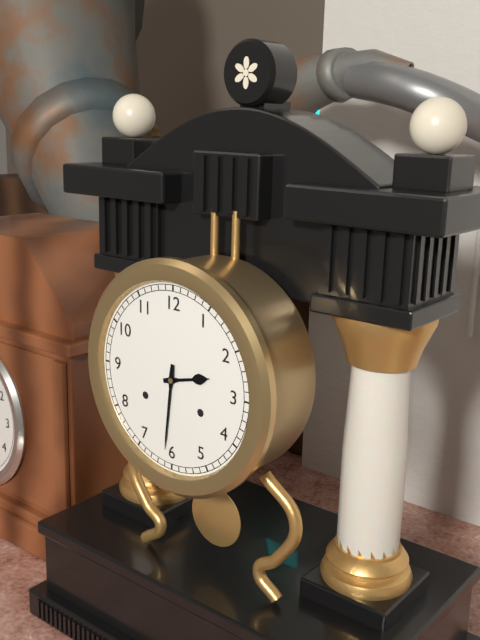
**2:31**
